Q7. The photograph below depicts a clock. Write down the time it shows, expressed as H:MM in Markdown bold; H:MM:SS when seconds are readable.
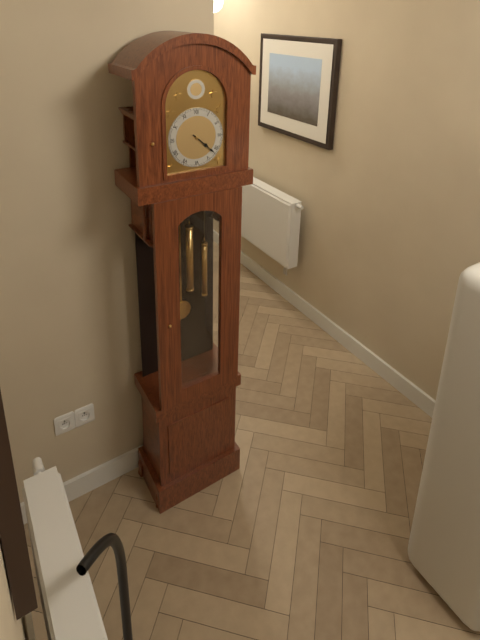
**4:22**
